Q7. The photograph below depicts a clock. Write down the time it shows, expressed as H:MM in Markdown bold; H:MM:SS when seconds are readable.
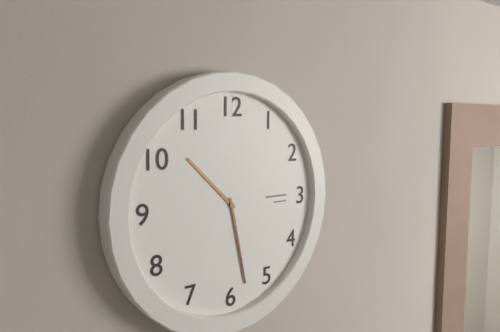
**10:28**
